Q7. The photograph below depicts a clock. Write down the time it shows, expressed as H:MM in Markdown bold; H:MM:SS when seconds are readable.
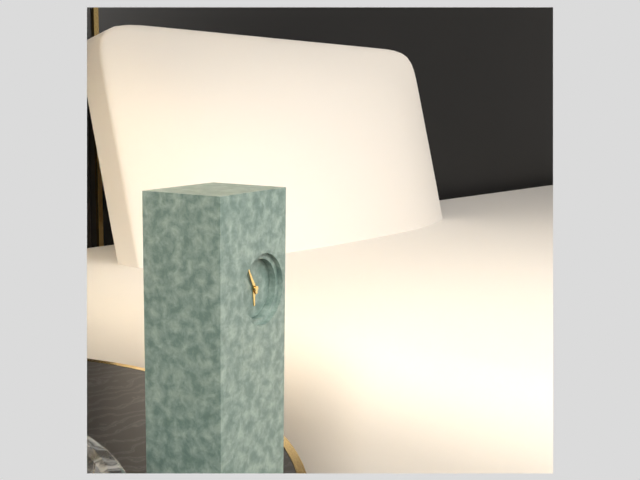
**5:55**
